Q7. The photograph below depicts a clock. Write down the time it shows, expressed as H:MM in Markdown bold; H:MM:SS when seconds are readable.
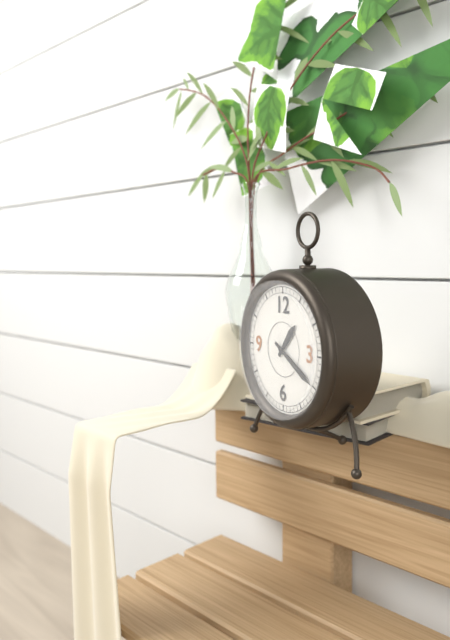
**1:20**
